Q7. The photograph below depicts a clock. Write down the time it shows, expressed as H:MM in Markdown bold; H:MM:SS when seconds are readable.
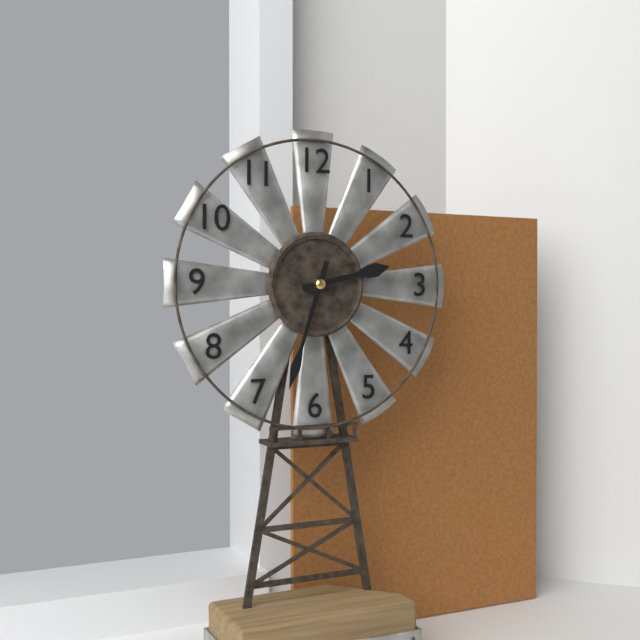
**2:33**
